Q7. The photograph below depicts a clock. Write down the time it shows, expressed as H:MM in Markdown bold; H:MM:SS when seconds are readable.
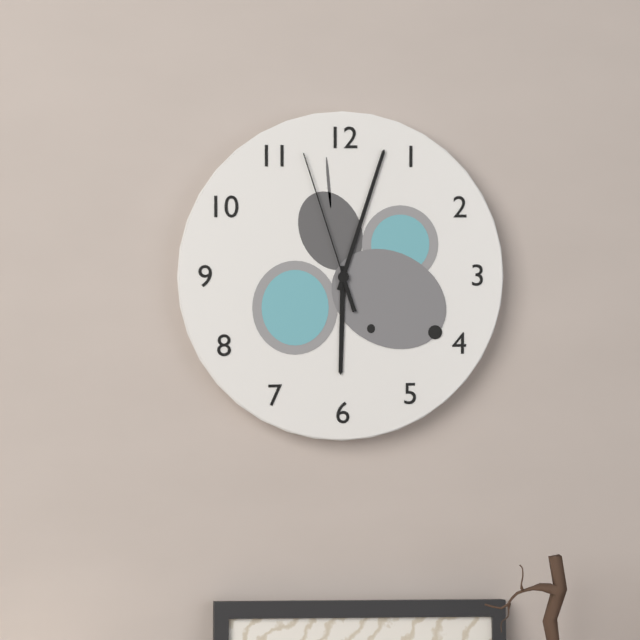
**6:03:57**
